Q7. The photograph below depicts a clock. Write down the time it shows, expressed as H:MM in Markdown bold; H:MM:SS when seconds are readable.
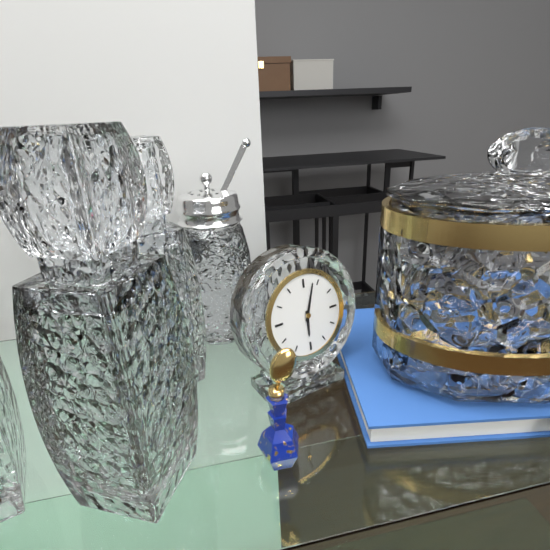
**6:03**
